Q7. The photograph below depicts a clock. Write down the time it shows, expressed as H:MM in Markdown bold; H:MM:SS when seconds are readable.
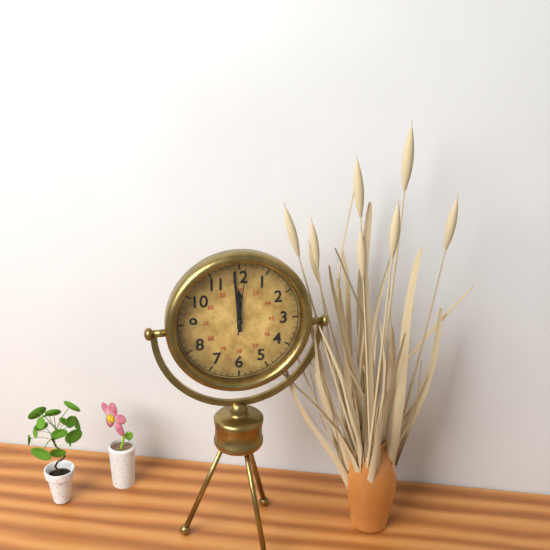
**11:59:01**
